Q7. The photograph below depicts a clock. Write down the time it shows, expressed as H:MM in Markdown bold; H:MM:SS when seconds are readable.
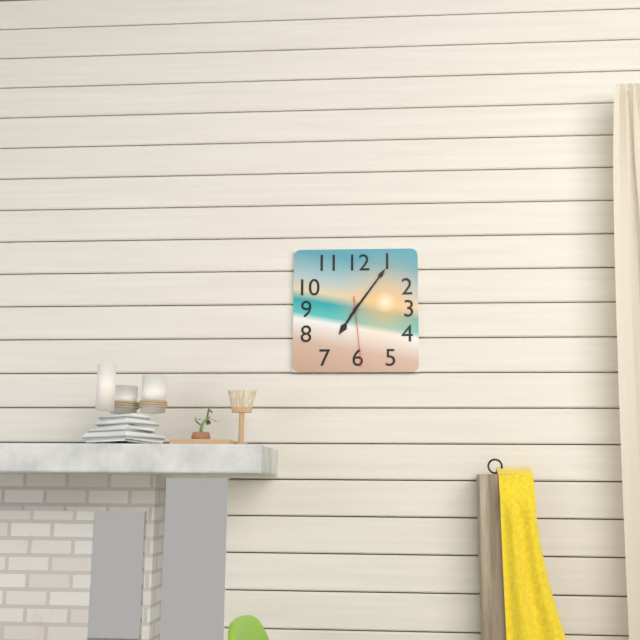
**7:06:29**
